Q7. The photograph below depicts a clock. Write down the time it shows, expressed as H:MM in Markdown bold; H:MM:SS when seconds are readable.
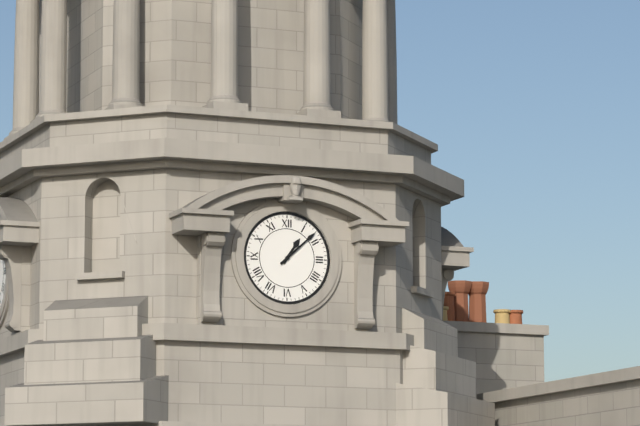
**1:08**
